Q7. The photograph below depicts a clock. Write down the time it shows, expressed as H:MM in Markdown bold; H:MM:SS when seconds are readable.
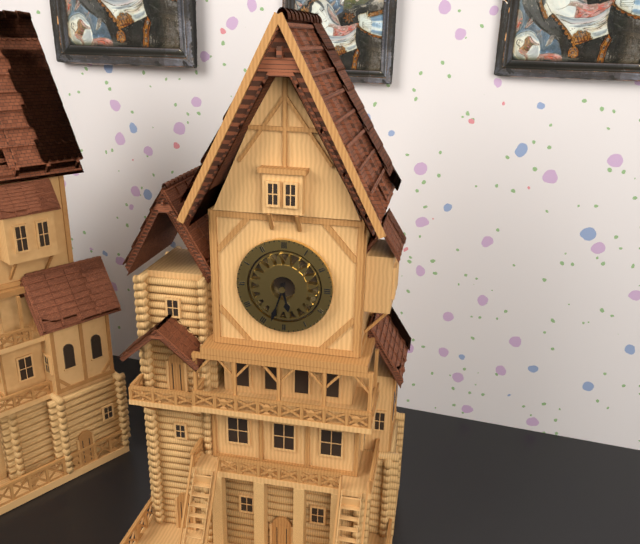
**5:33**
